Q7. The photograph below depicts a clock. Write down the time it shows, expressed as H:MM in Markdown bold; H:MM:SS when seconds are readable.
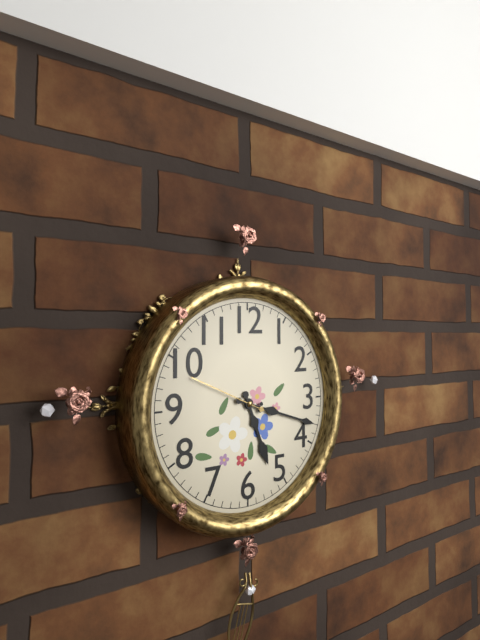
**5:18:49**
